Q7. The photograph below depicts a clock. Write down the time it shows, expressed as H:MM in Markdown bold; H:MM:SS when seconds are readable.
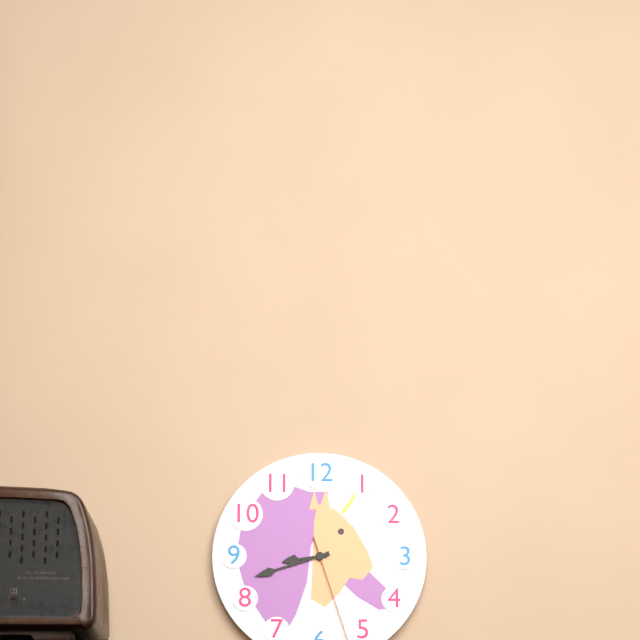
**8:42**
